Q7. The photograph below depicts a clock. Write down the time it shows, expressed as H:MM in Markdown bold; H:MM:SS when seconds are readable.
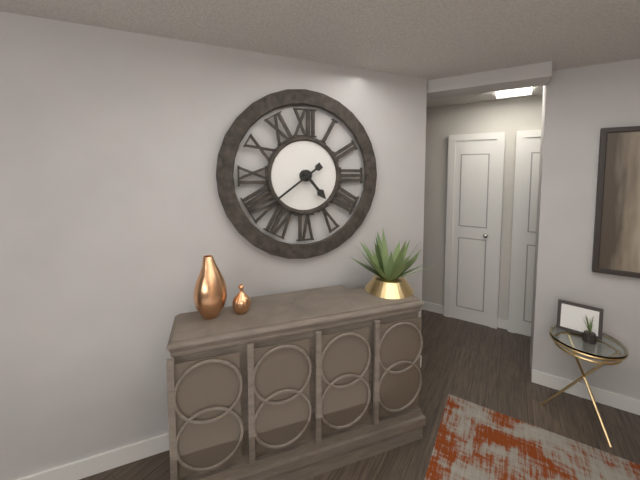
**4:39**
